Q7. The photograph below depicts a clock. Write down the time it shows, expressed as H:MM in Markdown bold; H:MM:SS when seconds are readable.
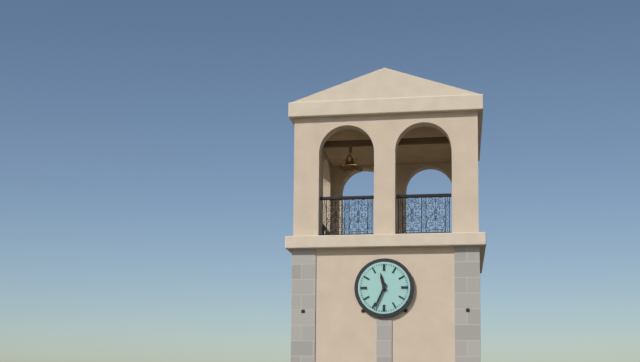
**11:34**
